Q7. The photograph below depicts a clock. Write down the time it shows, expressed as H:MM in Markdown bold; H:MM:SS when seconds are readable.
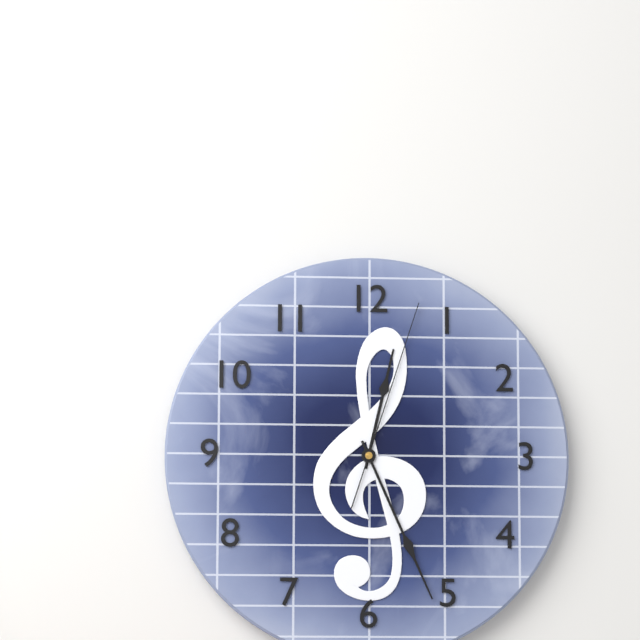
**12:26:03**
